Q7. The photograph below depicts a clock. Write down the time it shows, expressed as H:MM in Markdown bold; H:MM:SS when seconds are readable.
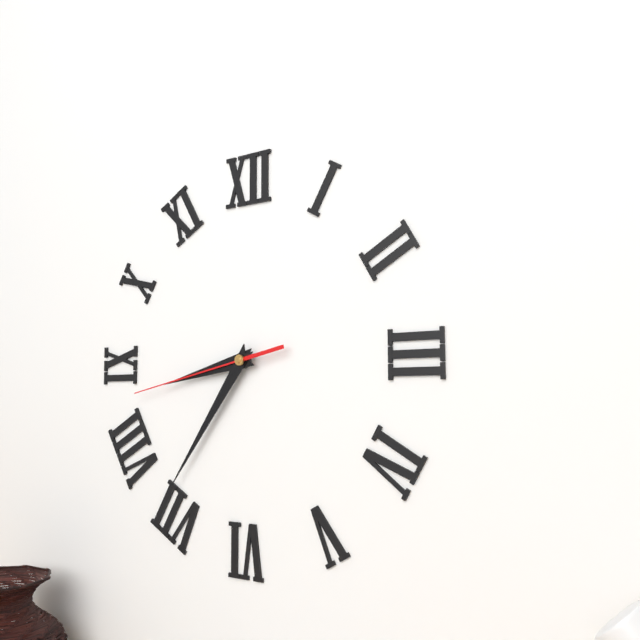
**8:36:43**
